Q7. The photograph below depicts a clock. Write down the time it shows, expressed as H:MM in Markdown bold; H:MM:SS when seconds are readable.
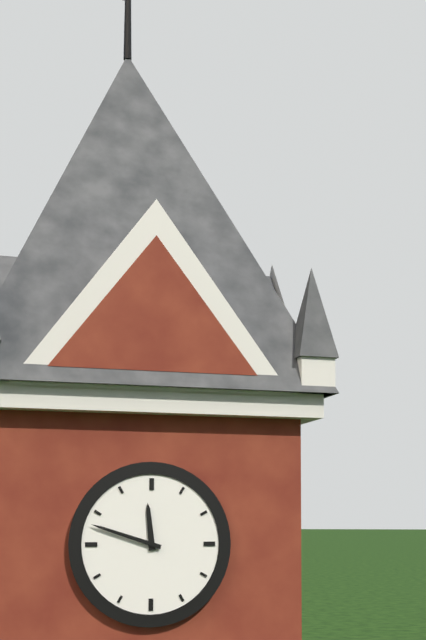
**11:48**
